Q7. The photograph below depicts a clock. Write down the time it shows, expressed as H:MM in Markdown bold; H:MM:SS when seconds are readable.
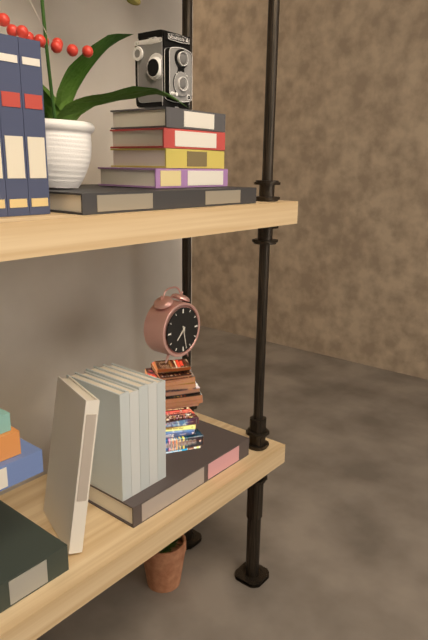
**7:28**
